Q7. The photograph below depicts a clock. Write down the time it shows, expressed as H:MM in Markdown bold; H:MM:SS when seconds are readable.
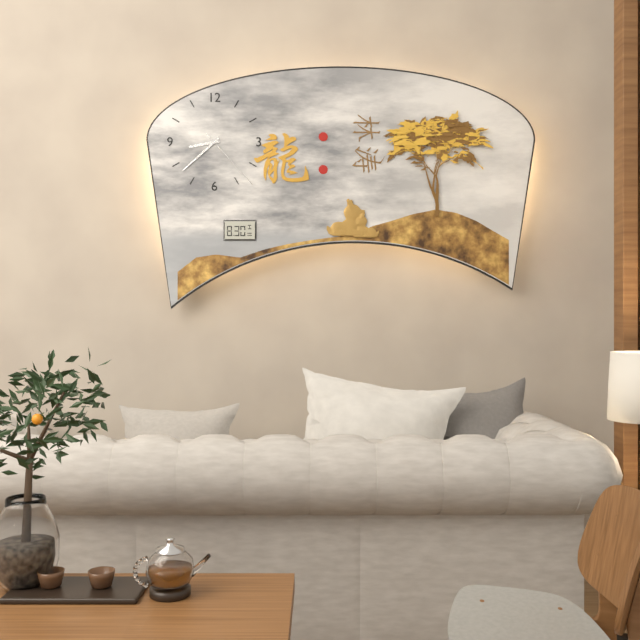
**8:38:23**
